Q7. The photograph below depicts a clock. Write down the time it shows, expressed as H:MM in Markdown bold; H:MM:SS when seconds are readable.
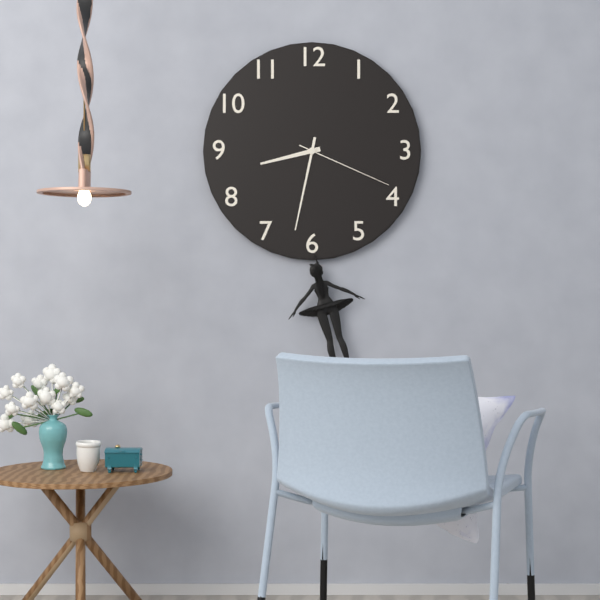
**8:32:19**
